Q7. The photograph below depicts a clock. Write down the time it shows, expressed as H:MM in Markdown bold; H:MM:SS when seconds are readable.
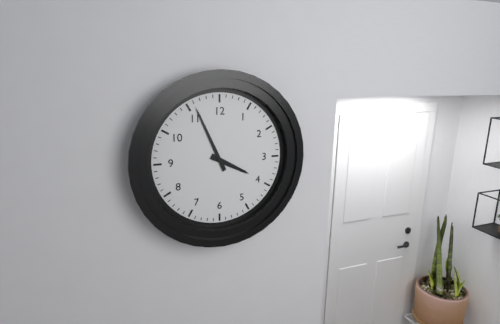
**3:56**
